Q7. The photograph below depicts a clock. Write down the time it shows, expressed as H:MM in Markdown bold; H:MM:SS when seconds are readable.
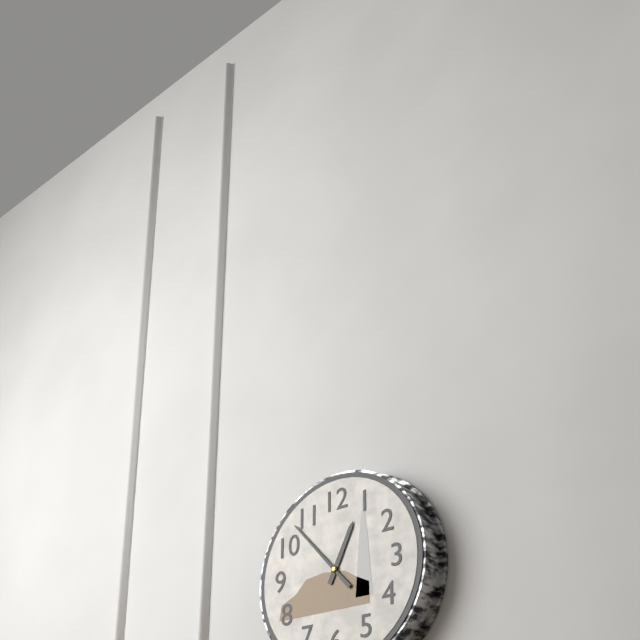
**12:53**
